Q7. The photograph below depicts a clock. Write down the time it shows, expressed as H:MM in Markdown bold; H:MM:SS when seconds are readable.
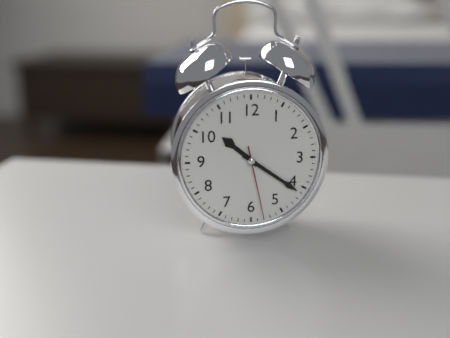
**10:21:28**
